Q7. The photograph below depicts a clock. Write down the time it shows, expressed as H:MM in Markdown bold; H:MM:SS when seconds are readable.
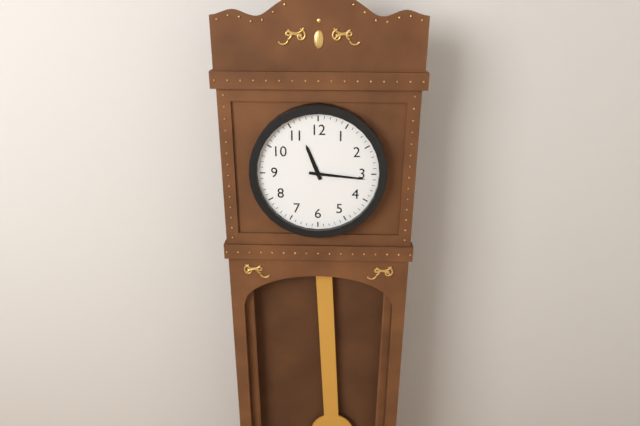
**11:16**
